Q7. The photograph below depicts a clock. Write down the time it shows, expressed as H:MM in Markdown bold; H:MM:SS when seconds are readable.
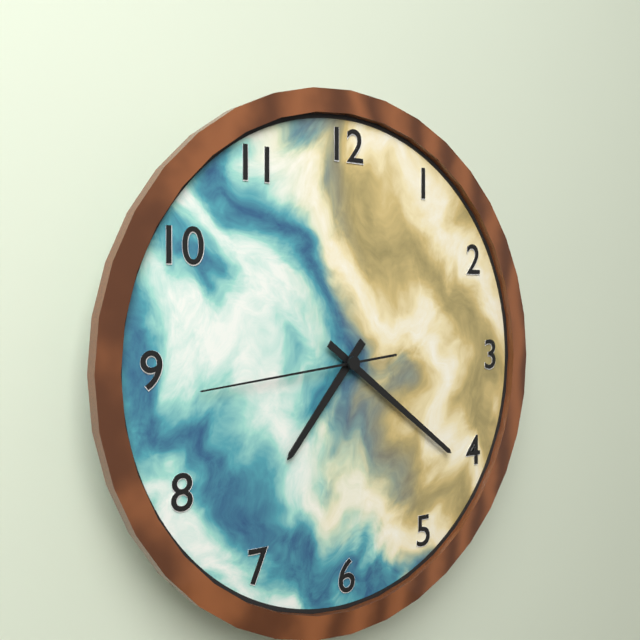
**7:21:44**
